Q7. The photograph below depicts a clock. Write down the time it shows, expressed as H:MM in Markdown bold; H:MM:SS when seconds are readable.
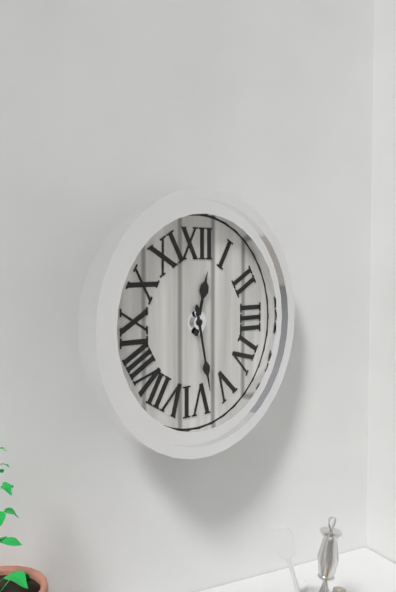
**12:28**
